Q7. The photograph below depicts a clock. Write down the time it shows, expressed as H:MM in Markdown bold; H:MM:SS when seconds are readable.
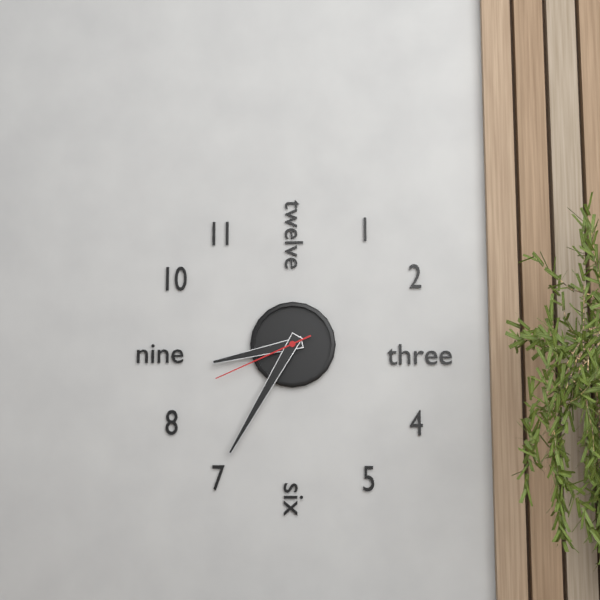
**8:35:41**
